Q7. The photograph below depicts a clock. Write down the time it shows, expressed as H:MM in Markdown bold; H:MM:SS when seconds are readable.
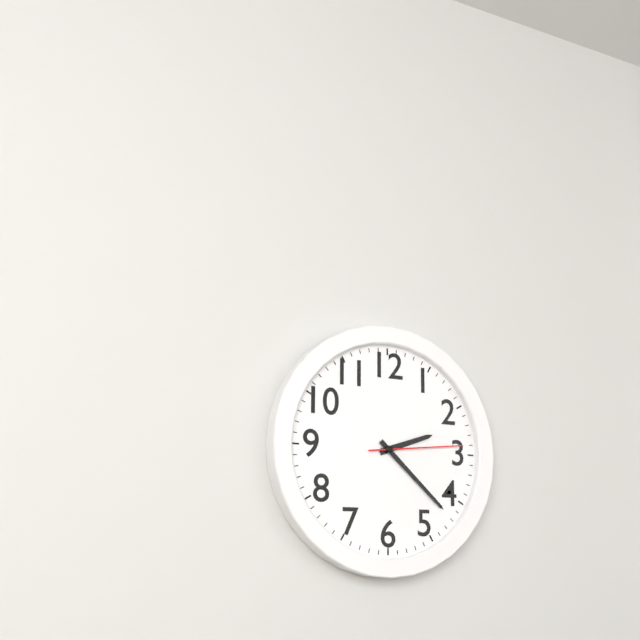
**2:22:14**
